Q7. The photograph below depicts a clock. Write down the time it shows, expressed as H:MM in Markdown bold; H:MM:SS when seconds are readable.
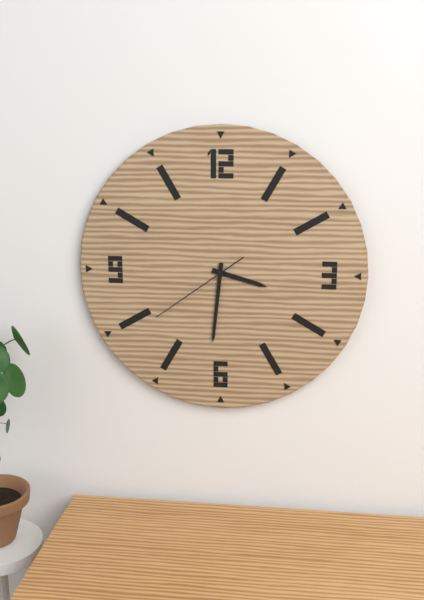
**3:31:39**
